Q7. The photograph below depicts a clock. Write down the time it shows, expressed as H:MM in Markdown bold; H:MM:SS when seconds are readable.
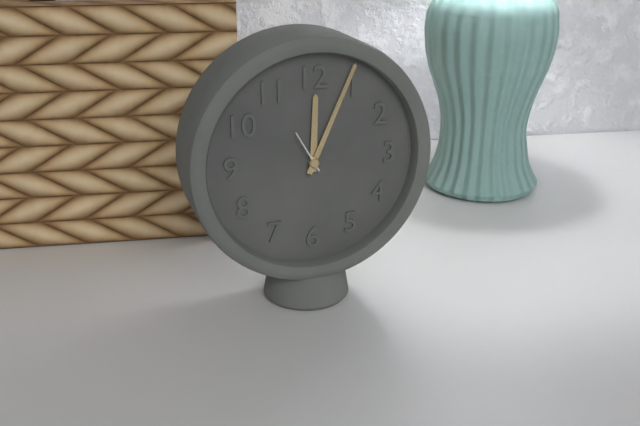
**12:04**
